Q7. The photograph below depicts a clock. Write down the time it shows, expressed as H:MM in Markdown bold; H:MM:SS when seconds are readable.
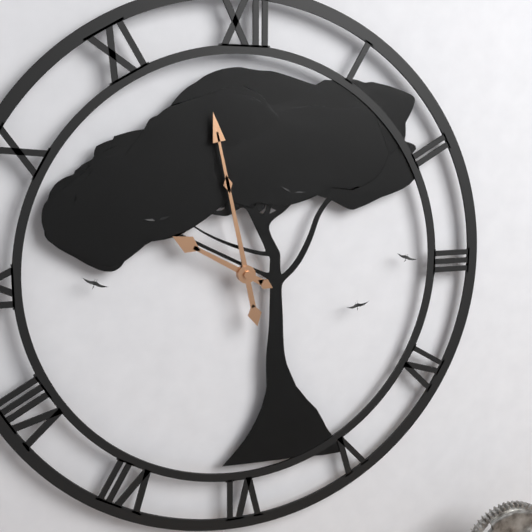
**9:58**
